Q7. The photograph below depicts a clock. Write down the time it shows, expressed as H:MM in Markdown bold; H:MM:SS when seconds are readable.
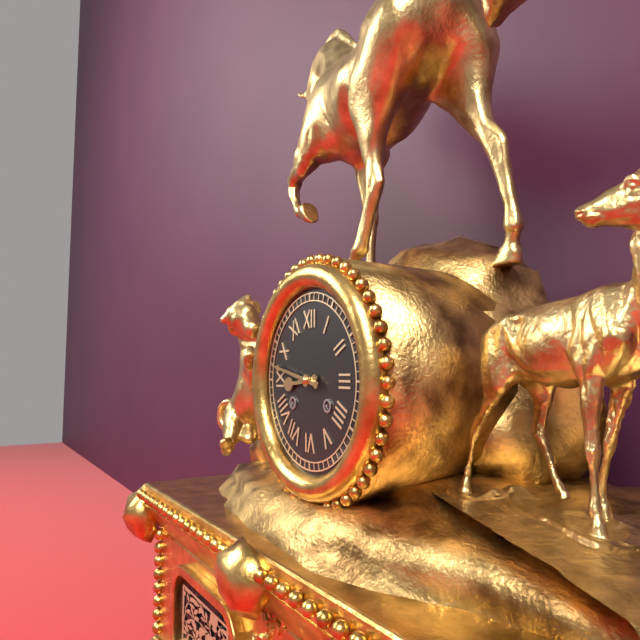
**8:47**
